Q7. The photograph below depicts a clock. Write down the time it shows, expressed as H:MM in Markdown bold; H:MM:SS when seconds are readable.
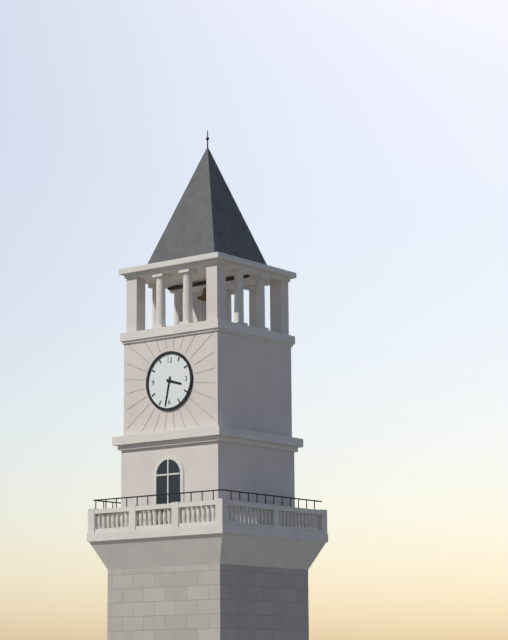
**3:32**
